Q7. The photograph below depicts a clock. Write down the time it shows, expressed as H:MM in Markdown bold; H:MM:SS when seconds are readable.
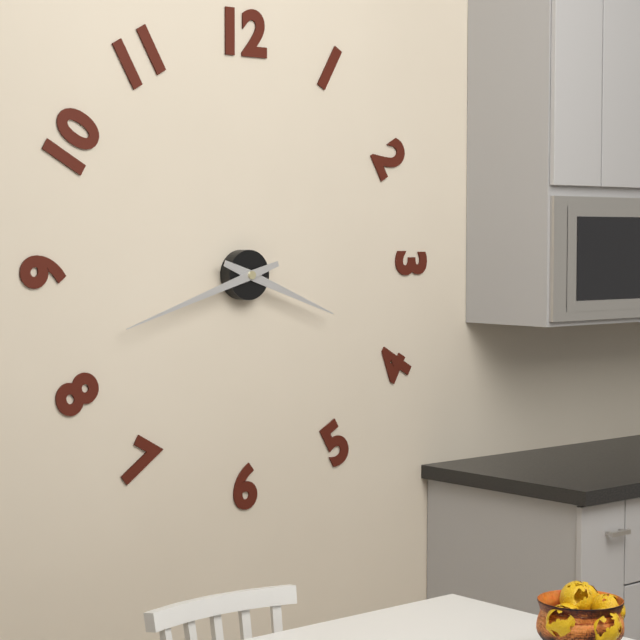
**3:42**
